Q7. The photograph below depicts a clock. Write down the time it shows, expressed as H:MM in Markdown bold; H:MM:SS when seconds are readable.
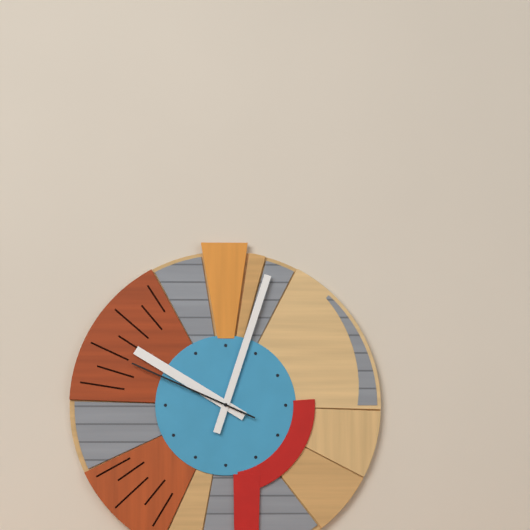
**10:03:49**
